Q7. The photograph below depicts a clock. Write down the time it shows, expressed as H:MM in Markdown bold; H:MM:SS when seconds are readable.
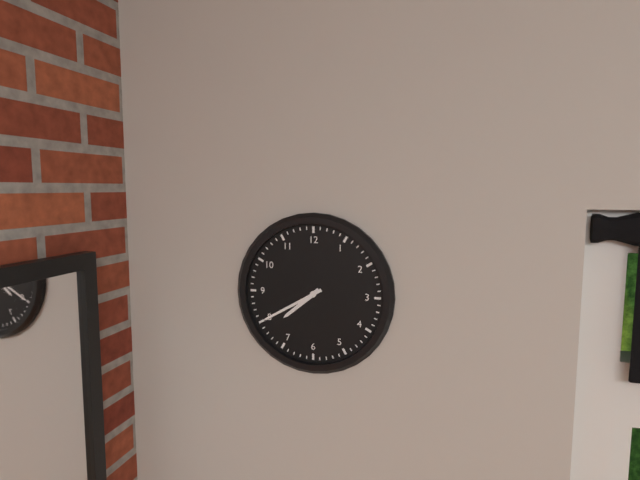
**7:40**
